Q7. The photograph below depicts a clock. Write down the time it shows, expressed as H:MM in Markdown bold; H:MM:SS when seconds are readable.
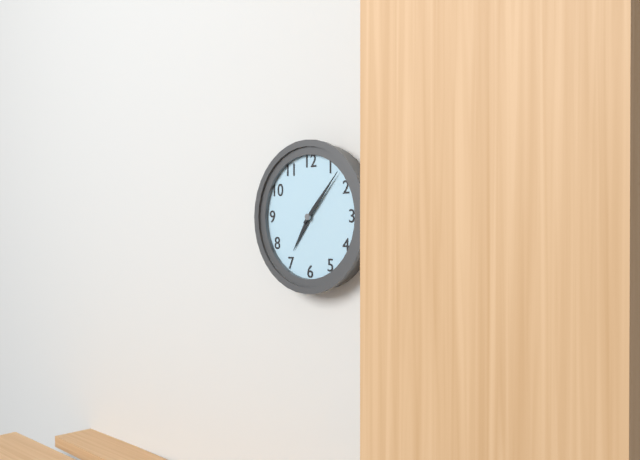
**7:07**
